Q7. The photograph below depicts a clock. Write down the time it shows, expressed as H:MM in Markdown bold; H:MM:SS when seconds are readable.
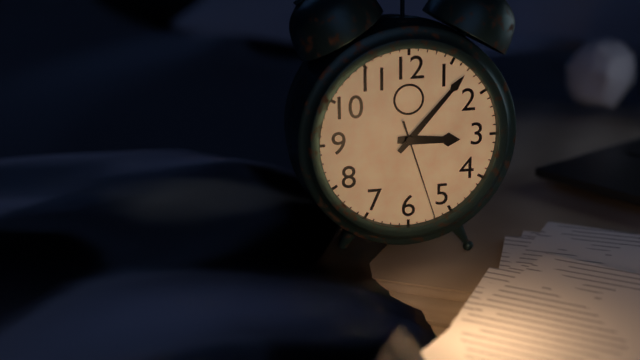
**3:07:27**
